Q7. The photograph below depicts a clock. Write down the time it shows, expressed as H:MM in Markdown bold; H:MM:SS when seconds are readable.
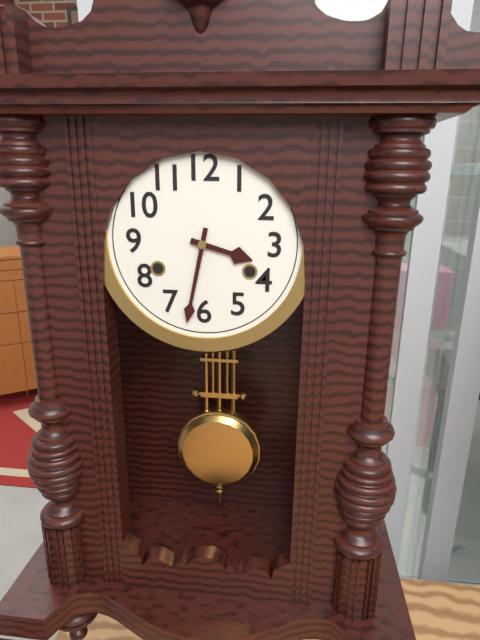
**3:32**
